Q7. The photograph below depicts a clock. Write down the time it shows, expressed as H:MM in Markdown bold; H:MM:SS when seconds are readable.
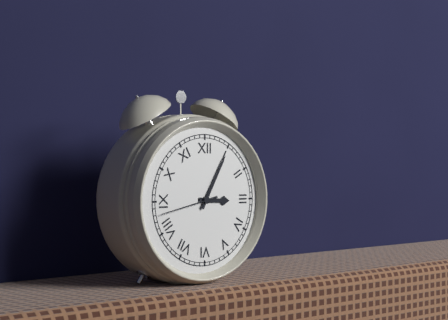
**3:05:43**
